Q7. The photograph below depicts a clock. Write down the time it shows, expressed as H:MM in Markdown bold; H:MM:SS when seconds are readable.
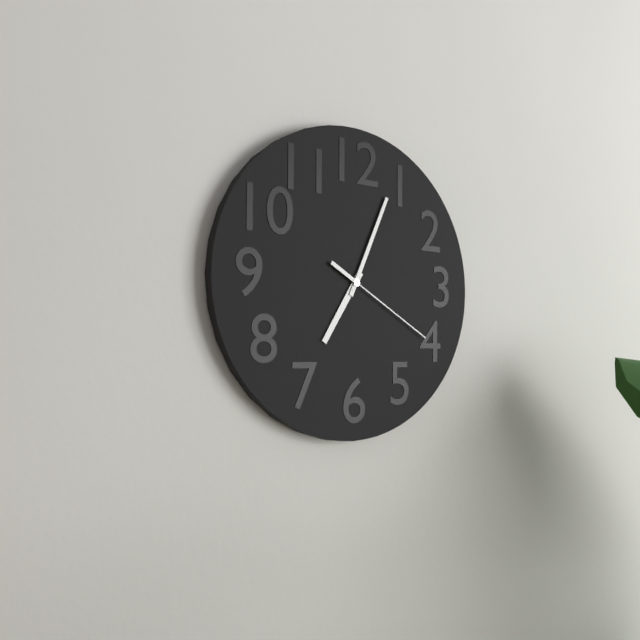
**7:04:20**
